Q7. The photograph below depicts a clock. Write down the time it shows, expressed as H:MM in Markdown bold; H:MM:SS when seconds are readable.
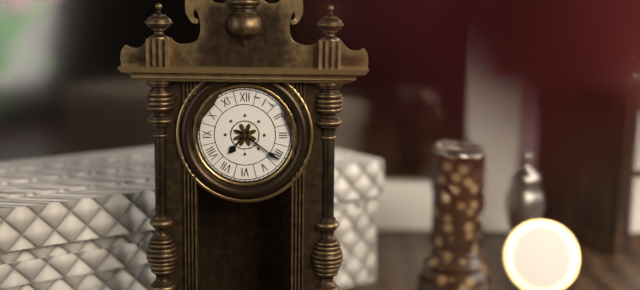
**7:21**
